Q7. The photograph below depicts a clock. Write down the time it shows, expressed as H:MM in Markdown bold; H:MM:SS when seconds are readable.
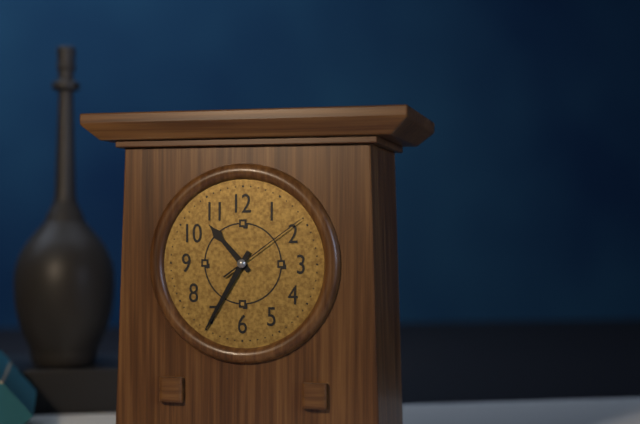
**10:35:09**
